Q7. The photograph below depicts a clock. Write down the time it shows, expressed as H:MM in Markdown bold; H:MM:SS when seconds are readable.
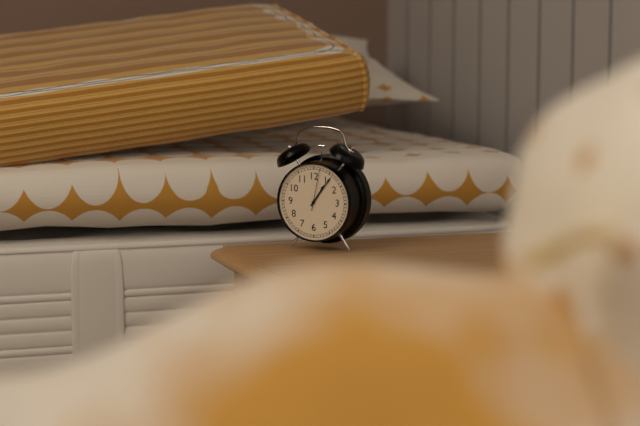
**1:06**
